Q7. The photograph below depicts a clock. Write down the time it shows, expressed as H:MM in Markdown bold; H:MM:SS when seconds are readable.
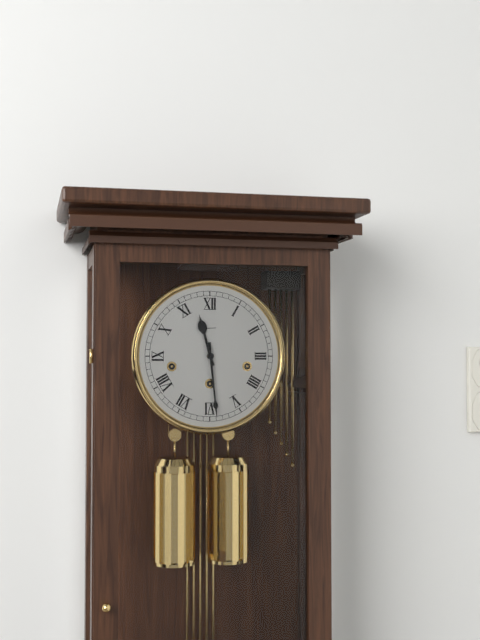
**11:29**
